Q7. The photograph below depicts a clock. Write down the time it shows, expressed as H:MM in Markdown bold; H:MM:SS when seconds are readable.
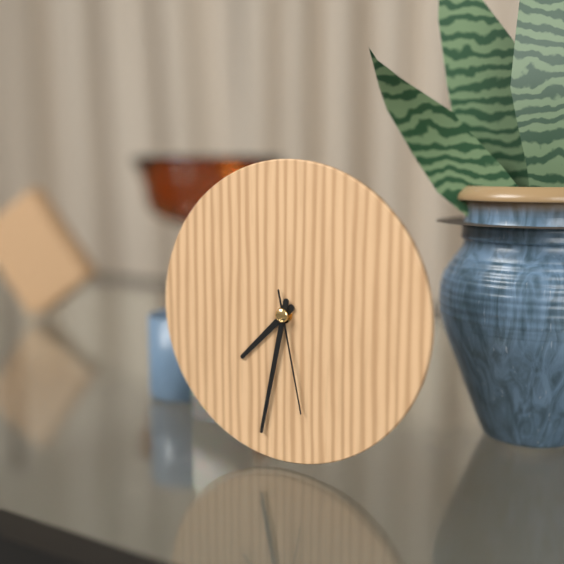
**7:32:28**
